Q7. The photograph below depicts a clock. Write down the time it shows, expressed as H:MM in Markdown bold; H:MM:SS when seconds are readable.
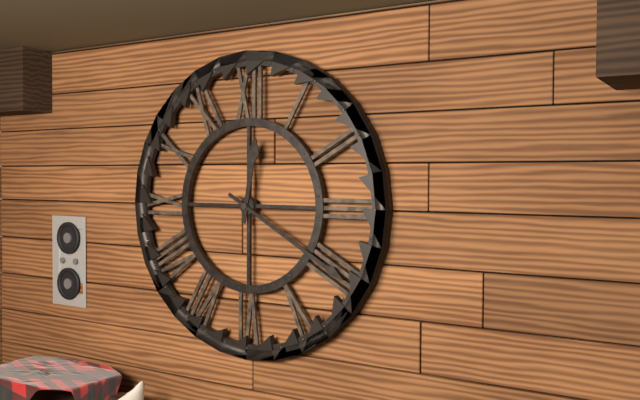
**12:20**
